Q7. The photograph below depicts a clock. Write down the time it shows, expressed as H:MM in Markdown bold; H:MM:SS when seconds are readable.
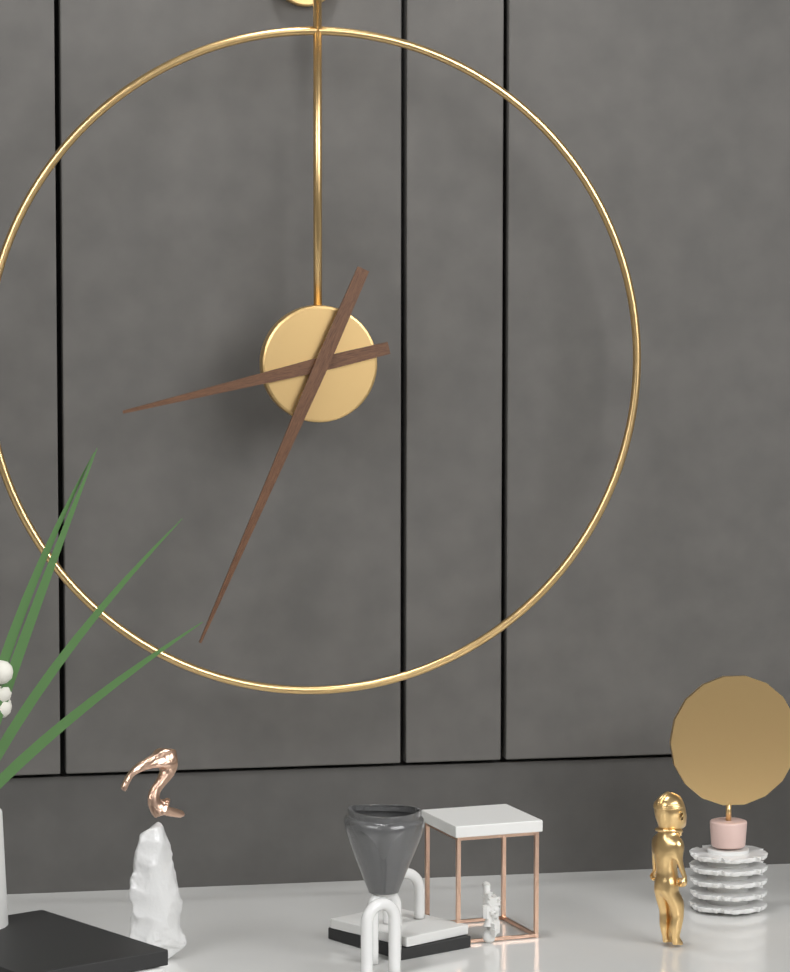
**8:34**
